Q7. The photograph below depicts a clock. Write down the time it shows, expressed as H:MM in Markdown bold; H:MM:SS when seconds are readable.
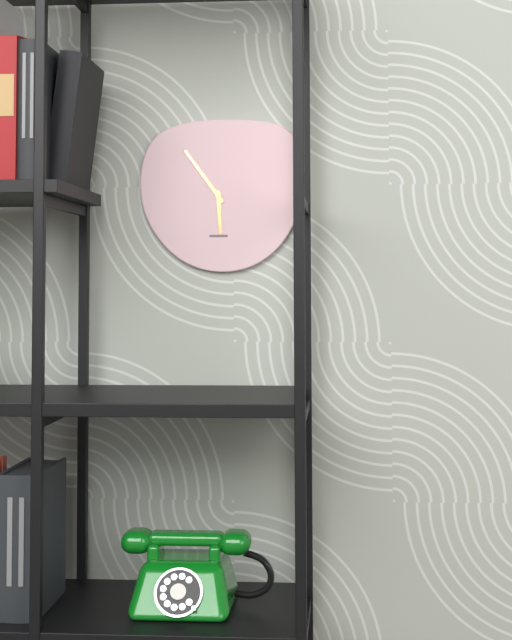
**5:54**
